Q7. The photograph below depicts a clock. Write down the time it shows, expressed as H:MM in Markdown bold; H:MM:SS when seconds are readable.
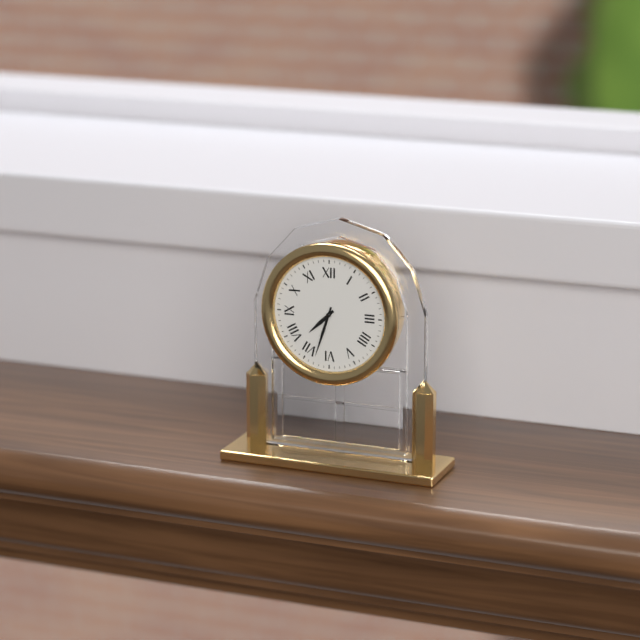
**7:33**
